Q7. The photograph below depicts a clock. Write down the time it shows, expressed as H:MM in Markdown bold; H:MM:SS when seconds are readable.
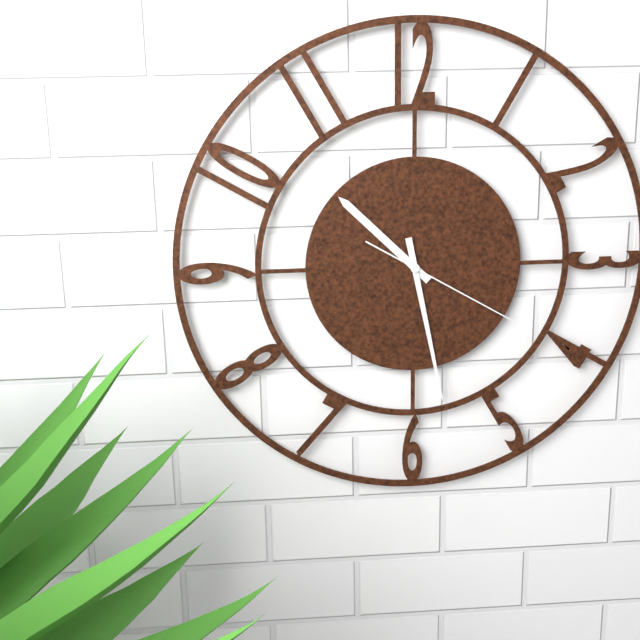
**10:28:20**
